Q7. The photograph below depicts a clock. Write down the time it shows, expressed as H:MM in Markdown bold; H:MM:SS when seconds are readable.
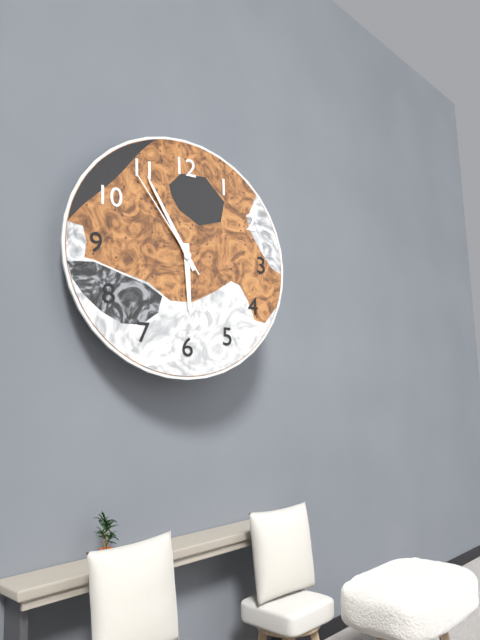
**5:55:54**
